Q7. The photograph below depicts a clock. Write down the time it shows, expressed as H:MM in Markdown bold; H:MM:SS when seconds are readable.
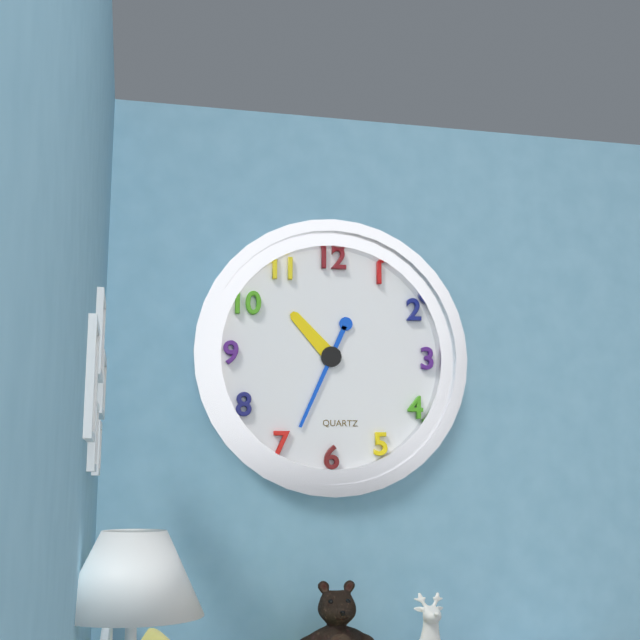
**10:34**
